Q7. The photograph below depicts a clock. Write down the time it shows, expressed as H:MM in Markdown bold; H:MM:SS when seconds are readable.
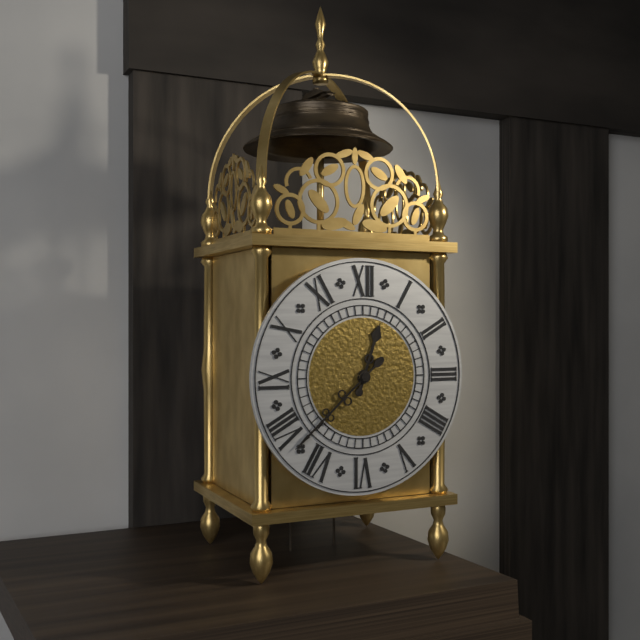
**12:38**
